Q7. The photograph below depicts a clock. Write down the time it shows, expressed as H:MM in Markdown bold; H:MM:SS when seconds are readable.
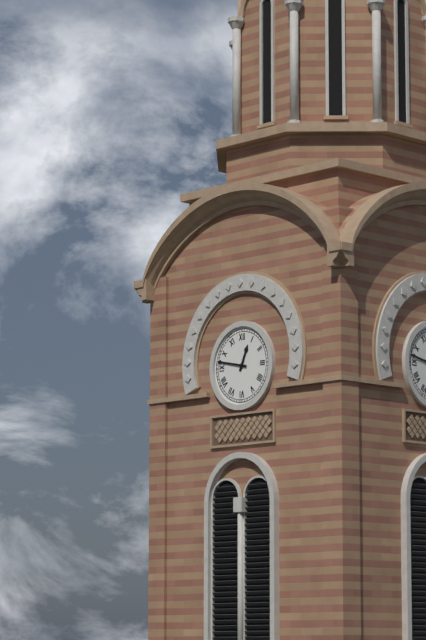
**12:47**
